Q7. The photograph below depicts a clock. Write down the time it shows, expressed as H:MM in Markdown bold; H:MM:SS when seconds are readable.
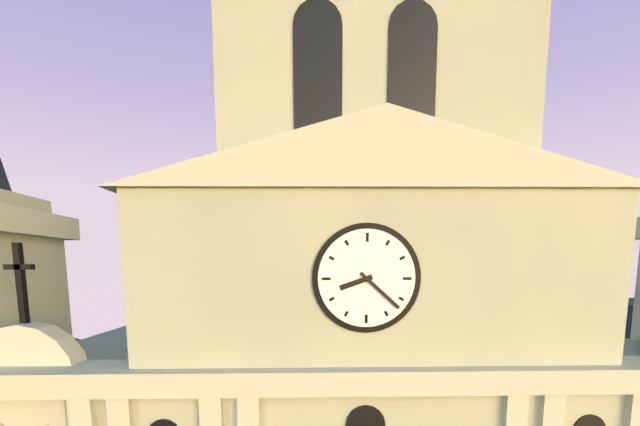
**8:22**
